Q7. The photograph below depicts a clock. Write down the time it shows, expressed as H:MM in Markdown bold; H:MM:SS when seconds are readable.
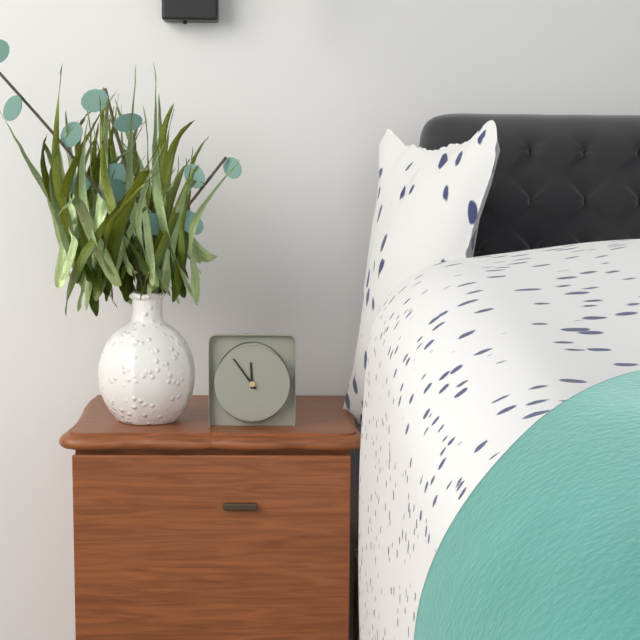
**11:54**
